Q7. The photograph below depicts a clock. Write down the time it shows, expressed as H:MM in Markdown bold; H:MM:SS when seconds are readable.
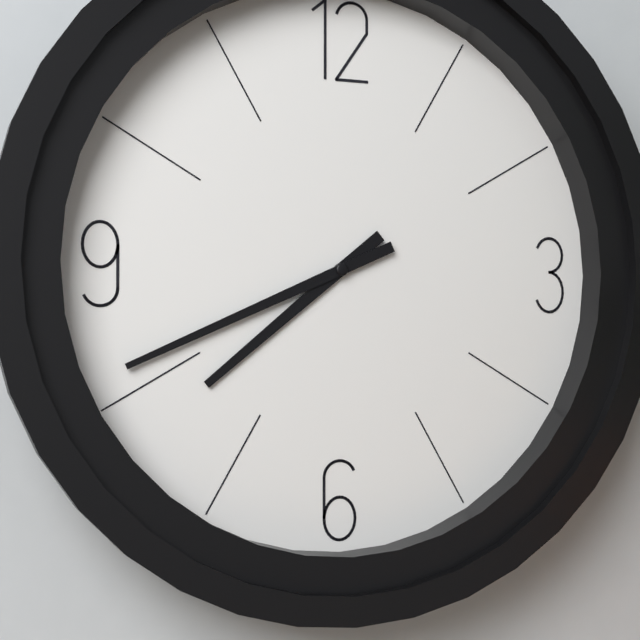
**7:41**
